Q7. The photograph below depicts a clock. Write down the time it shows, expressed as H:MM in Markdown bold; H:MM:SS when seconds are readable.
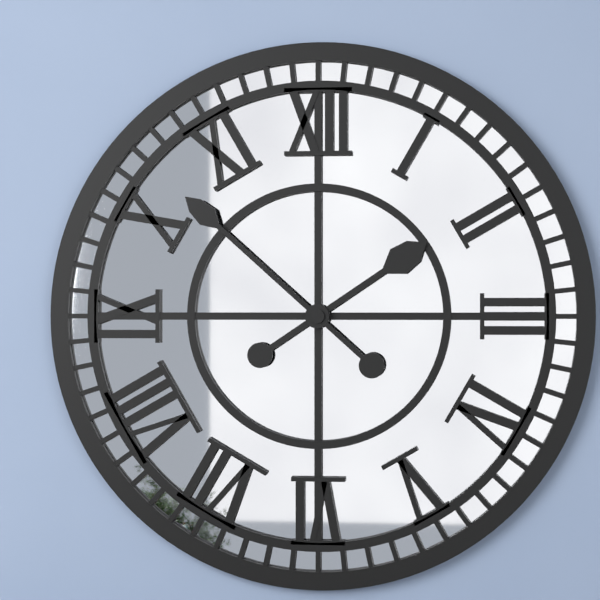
**1:52**
